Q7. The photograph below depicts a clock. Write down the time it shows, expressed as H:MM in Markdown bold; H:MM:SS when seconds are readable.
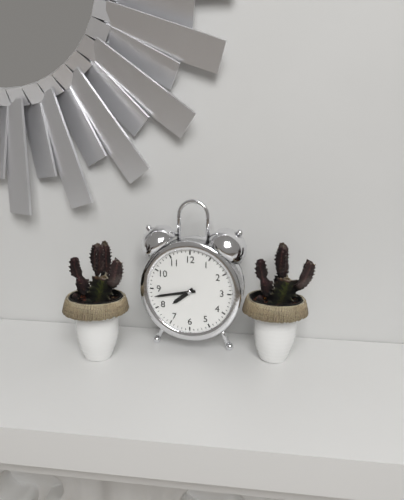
**7:43**
